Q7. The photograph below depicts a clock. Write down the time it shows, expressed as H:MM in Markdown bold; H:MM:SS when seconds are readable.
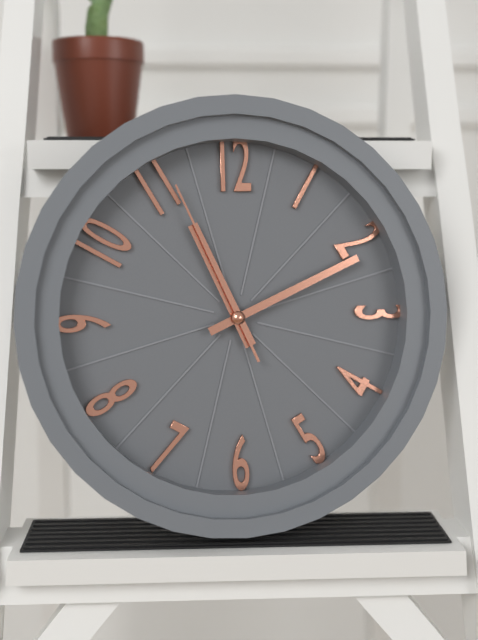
**11:11:56**
